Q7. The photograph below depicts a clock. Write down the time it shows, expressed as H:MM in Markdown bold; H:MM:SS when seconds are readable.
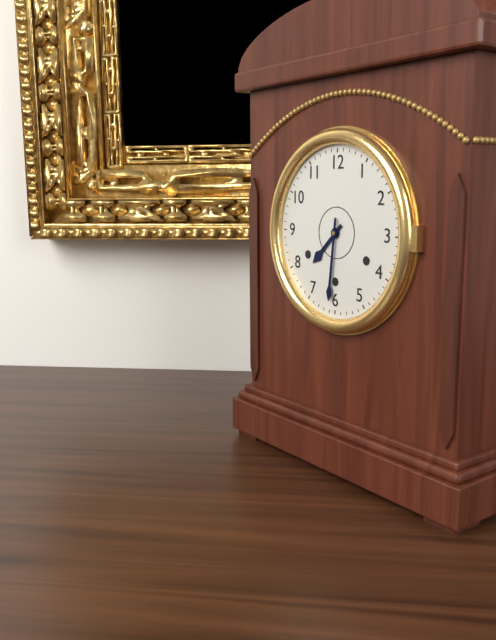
**7:31**
